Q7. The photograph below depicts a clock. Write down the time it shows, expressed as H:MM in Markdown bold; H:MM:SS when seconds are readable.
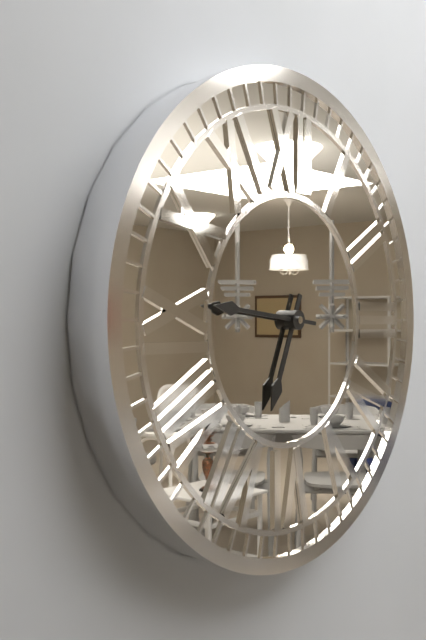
**6:46**
